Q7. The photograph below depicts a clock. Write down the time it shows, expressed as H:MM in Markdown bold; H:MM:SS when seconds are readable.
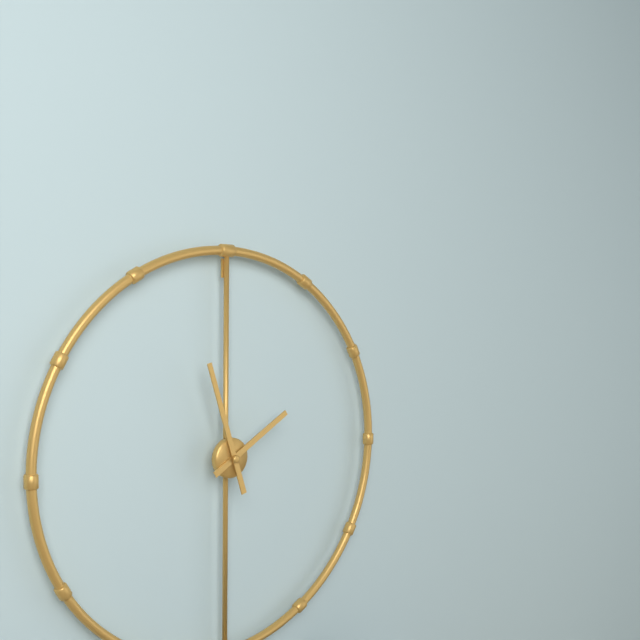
**1:57**
